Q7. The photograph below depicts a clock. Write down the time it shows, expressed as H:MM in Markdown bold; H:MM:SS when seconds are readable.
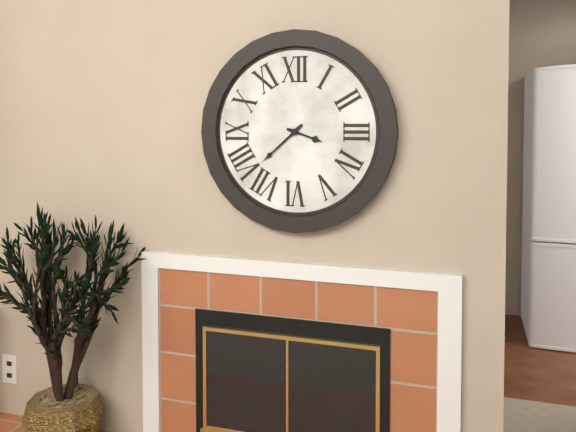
**3:38**
